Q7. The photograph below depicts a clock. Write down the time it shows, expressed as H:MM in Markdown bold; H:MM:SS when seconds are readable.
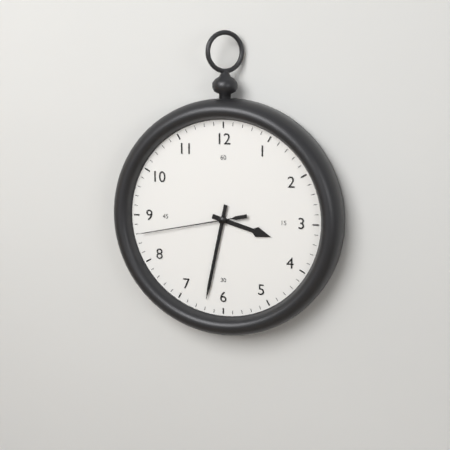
**3:32:43**
